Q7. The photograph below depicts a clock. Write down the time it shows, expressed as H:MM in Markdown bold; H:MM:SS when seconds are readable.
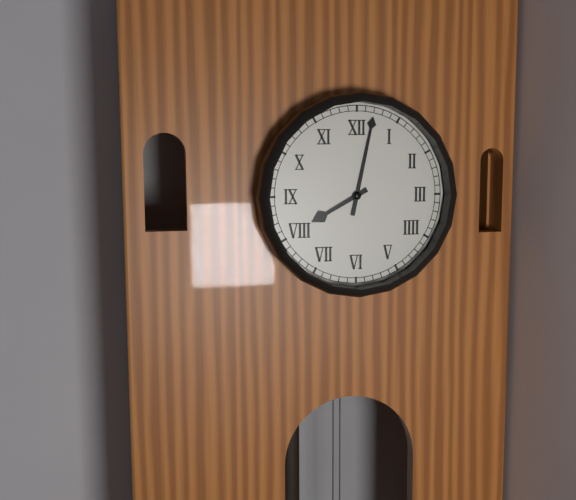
**8:02**
